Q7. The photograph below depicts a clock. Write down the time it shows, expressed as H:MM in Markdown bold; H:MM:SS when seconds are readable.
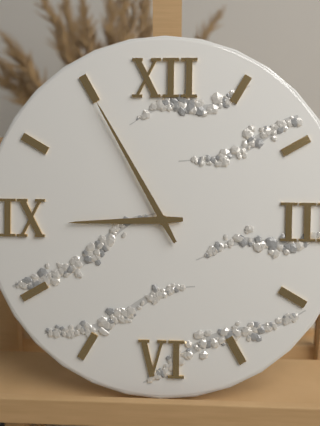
**8:55**
